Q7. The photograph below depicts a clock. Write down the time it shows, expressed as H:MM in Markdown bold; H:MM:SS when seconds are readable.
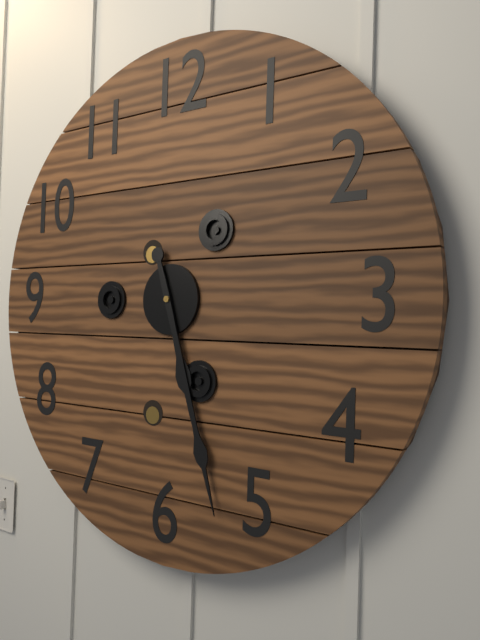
**5:27**
